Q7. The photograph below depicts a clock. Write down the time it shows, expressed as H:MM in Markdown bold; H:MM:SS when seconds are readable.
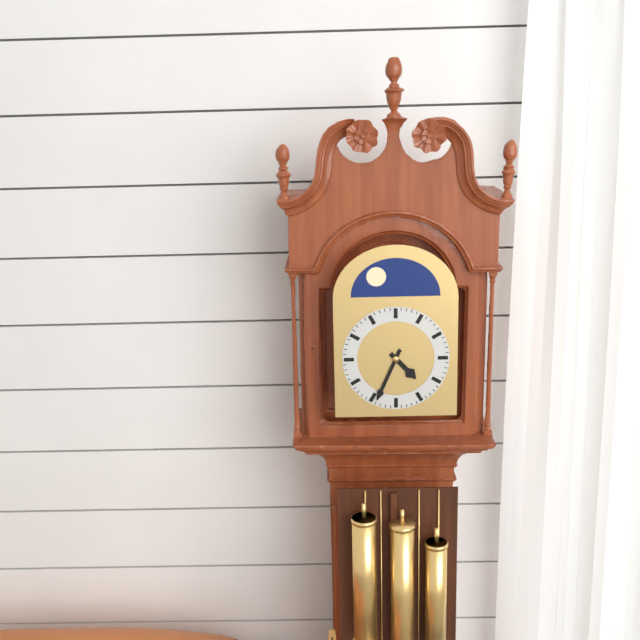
**4:34**
